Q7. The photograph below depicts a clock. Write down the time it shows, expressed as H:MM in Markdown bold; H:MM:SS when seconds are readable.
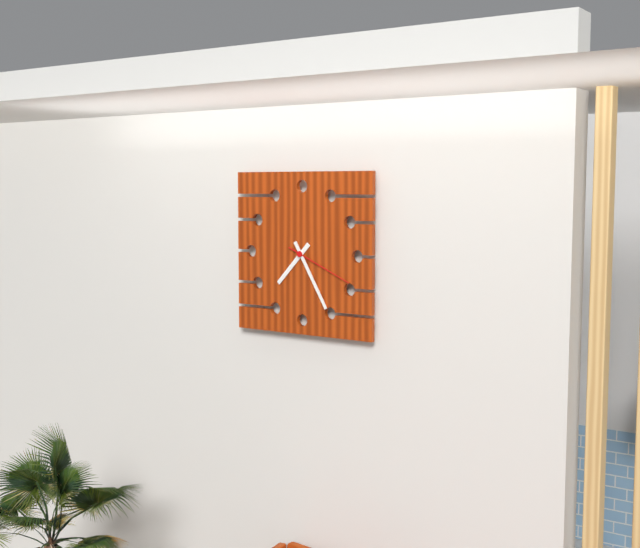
**7:25:19**
